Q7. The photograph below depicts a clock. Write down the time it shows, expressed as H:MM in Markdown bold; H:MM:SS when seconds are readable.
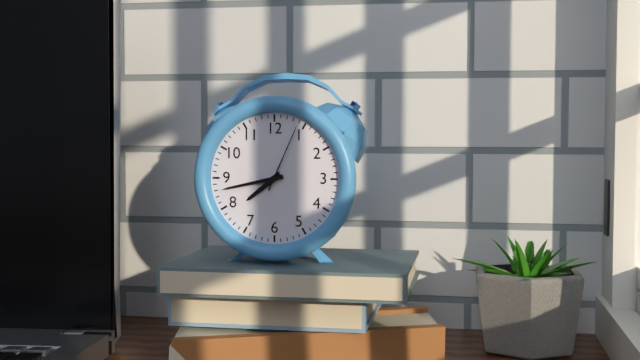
**7:43:04**
